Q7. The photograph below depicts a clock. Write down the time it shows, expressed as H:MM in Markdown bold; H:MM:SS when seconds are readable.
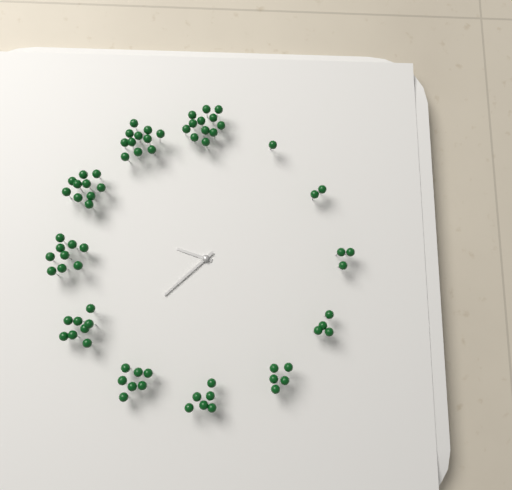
**9:38**
